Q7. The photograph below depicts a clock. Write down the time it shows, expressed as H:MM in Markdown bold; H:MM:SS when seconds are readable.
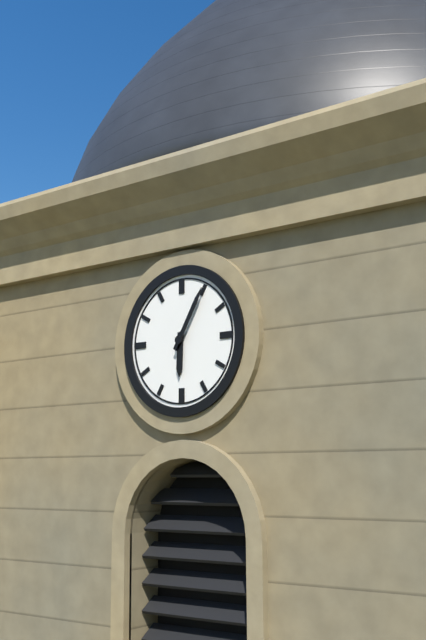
**6:05**
